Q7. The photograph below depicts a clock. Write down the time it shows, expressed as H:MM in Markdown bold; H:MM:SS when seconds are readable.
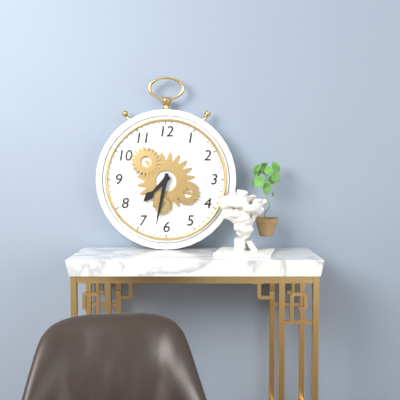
**7:32**
